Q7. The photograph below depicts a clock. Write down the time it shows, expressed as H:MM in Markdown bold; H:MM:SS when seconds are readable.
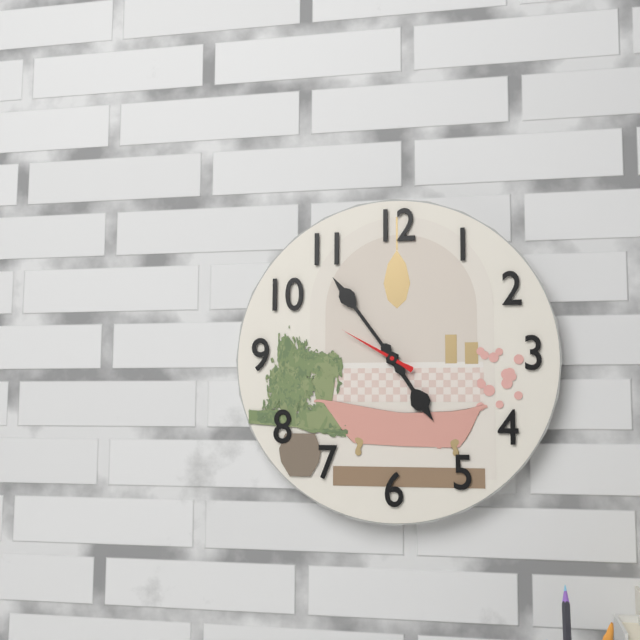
**4:54:50**
